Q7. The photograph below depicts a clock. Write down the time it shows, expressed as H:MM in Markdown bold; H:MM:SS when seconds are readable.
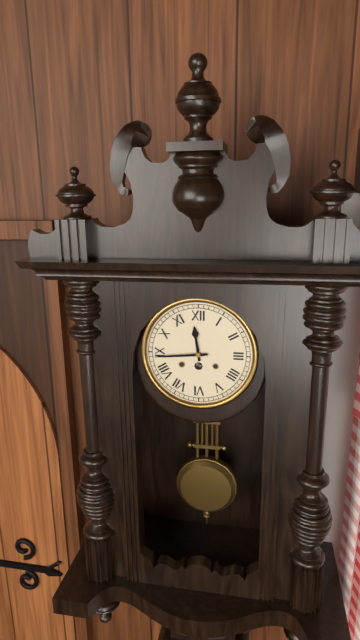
**11:44**
